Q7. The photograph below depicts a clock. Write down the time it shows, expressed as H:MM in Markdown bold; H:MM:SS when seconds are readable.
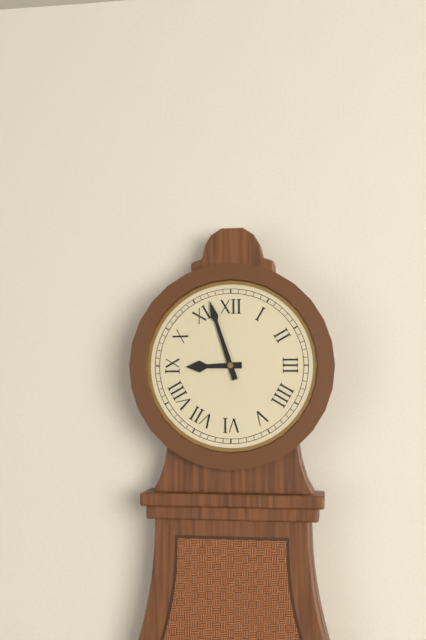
**8:57**
